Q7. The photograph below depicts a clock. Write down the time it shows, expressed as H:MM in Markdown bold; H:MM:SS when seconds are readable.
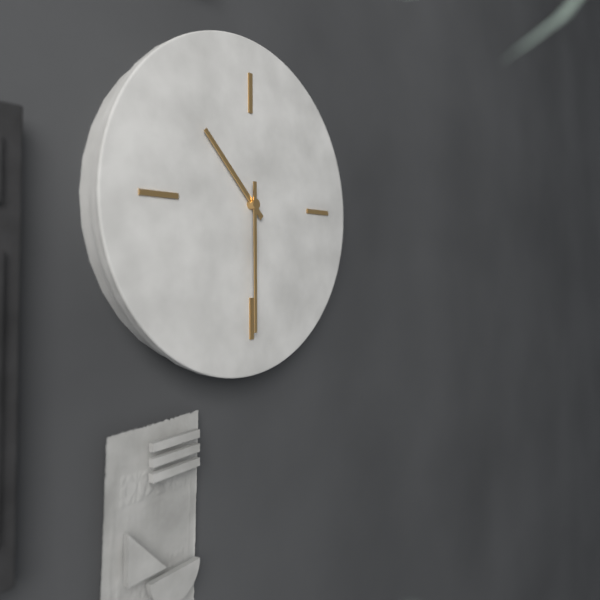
**10:30**
